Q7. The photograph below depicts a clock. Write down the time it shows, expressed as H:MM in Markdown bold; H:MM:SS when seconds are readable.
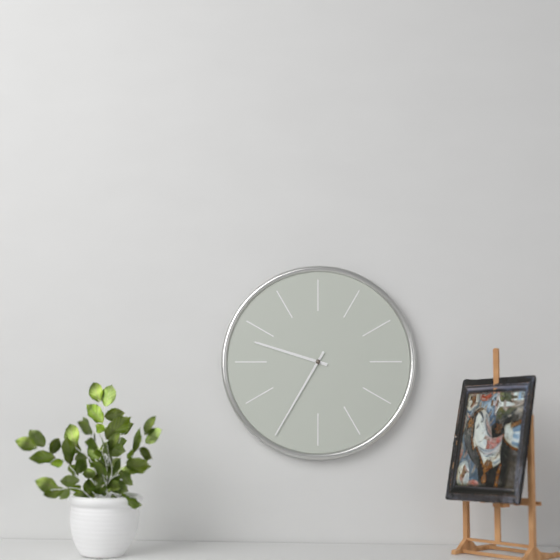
**9:35**
